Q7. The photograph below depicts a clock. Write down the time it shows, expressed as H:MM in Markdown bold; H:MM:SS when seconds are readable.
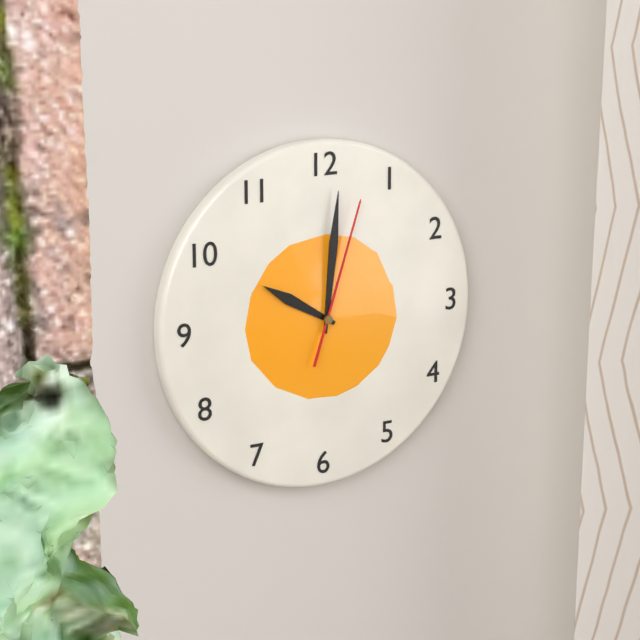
**10:01:03**
